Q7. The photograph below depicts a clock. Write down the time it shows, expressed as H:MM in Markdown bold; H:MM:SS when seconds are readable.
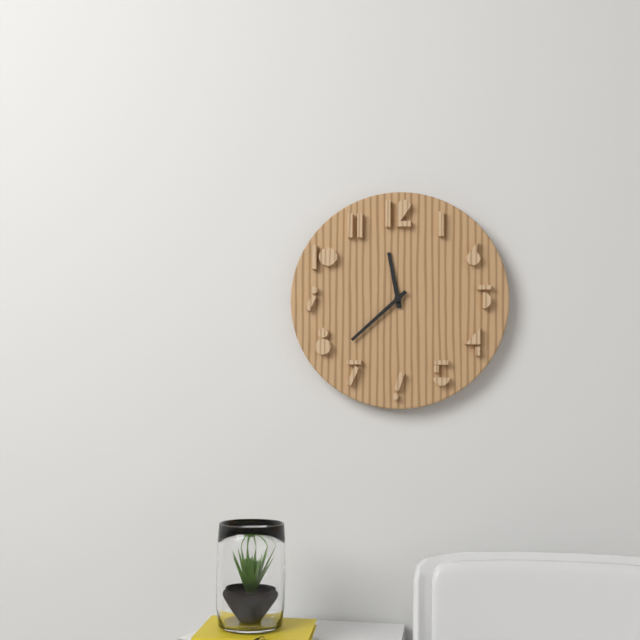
**11:38**
